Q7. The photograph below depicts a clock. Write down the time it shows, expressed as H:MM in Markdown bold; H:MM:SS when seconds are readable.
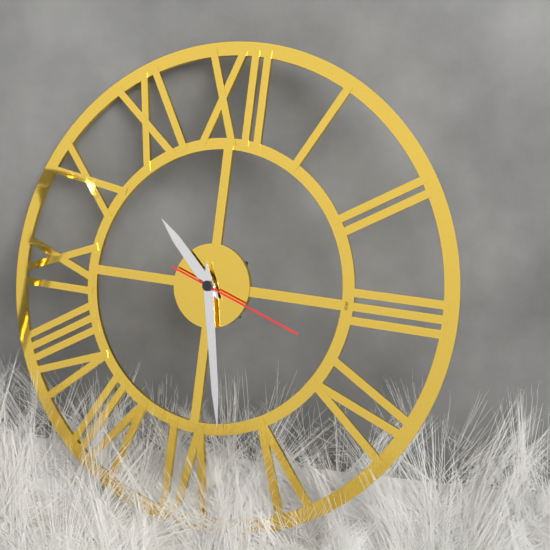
**10:28:18**
